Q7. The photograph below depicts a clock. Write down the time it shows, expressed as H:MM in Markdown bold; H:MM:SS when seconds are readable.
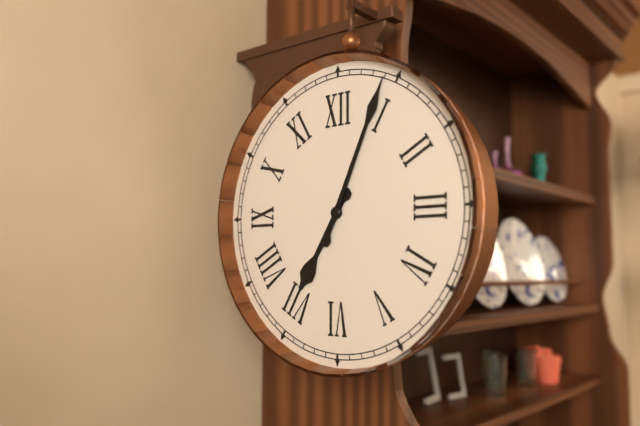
**7:04**
